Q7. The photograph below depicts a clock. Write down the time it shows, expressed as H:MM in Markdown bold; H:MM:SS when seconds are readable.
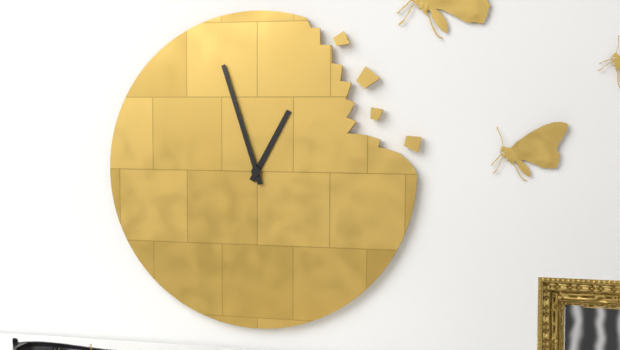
**12:57**
